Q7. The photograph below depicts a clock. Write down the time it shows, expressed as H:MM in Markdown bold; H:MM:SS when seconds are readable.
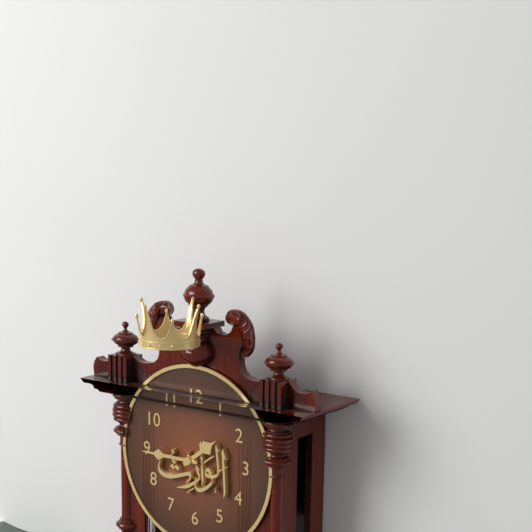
**1:45**
